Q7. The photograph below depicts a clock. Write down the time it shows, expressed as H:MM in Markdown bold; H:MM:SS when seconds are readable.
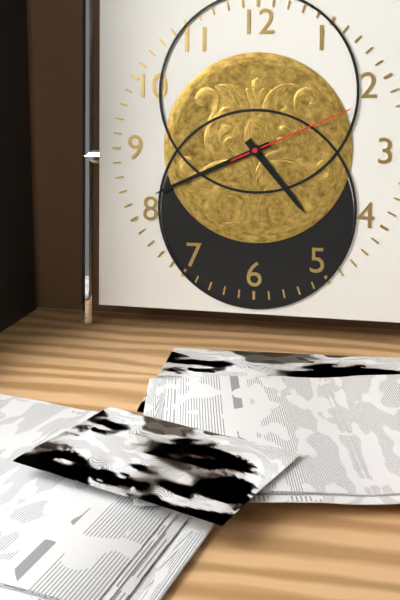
**4:41:11**
